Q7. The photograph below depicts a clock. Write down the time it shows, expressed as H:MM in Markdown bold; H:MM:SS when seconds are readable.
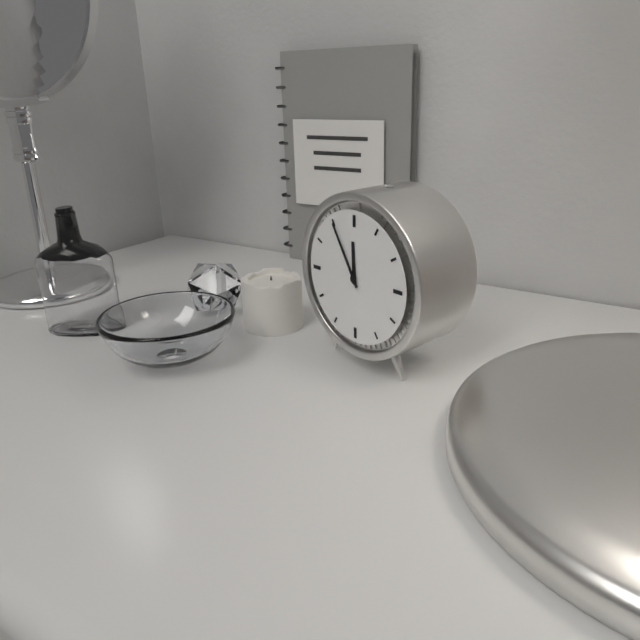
**11:55**
